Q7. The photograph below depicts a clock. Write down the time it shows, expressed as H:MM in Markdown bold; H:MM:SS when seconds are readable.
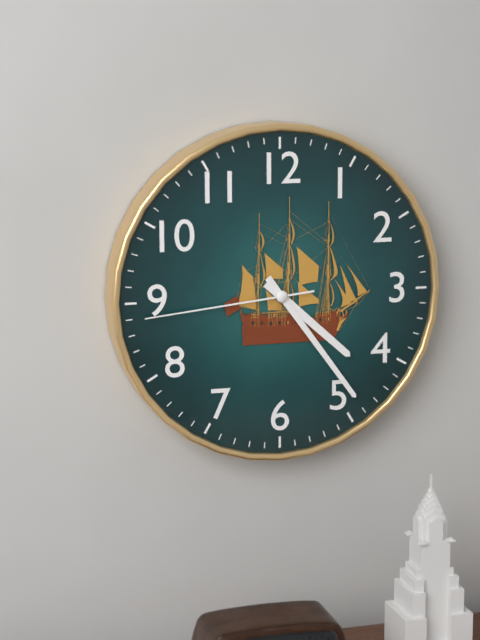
**4:24:44**
